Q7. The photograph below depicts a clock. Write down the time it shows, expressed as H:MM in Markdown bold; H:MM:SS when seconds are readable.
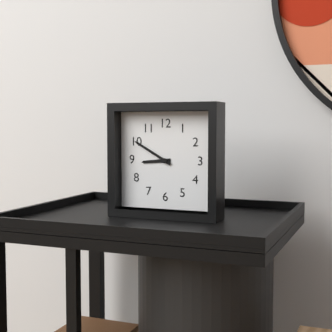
**8:50**
